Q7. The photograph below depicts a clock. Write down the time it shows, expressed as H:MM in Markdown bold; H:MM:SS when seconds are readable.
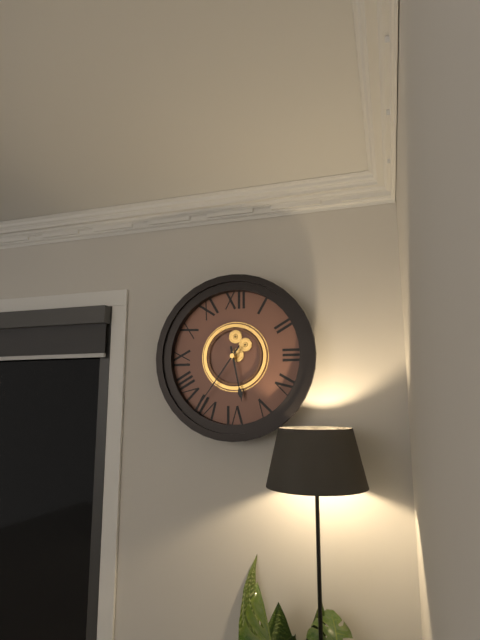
**5:36**
